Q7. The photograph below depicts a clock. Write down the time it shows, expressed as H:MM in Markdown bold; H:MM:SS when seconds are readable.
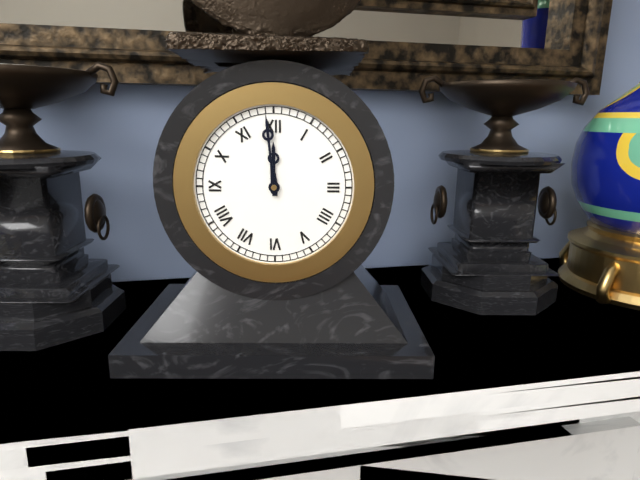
**11:59**
